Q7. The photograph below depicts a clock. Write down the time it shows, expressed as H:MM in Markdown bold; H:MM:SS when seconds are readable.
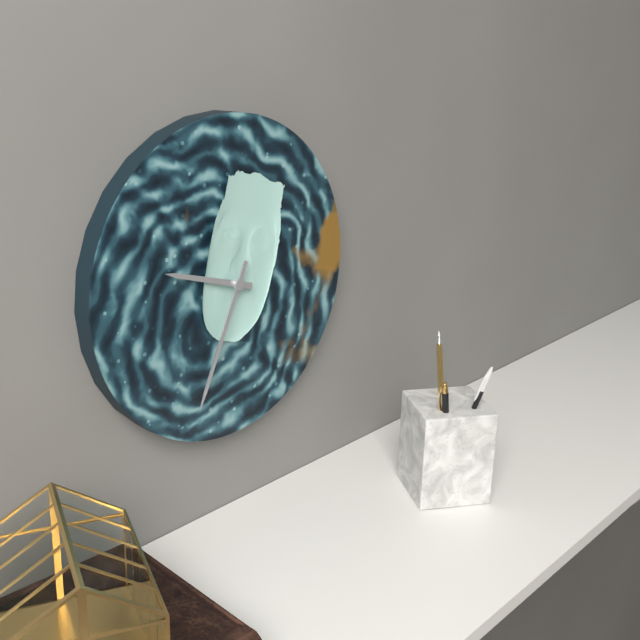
**9:34**
